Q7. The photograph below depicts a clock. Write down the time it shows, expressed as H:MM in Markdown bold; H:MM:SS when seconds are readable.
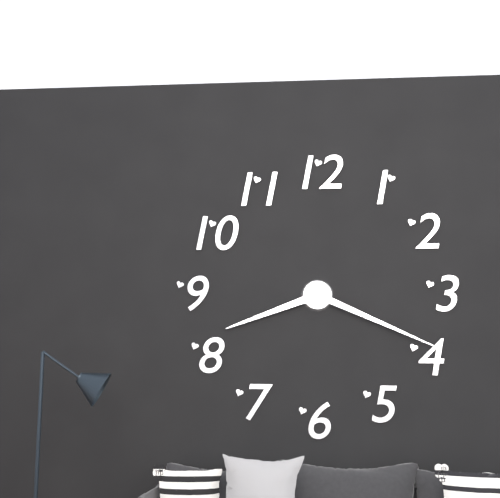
**8:19**
